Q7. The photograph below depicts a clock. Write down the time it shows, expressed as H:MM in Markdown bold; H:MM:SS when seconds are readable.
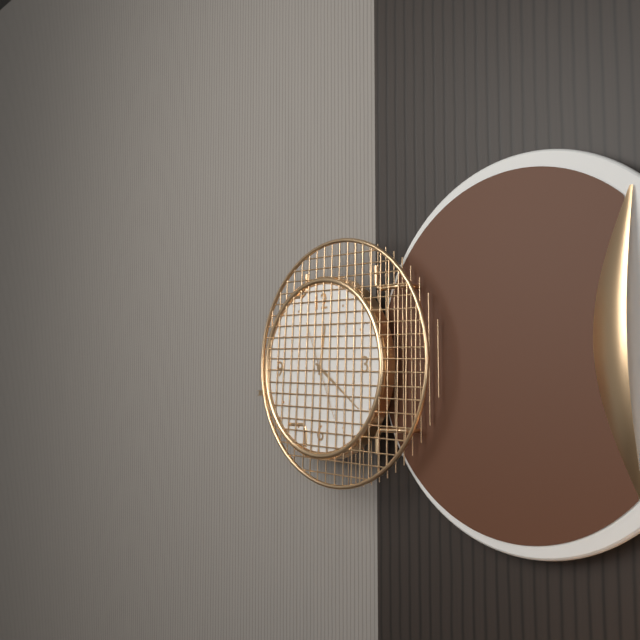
**12:21:26**
